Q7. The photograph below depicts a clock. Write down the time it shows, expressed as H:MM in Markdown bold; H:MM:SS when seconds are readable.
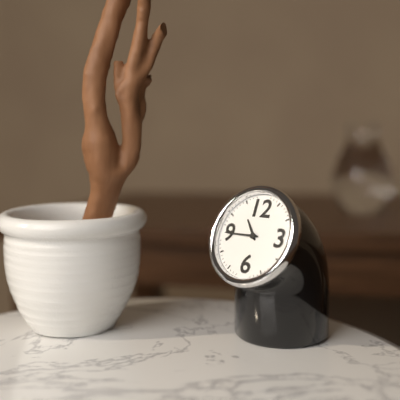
**10:45**
